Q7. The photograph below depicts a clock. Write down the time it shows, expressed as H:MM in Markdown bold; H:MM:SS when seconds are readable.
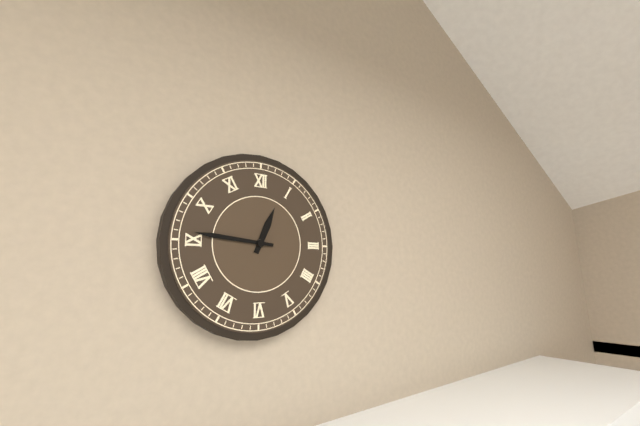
**12:46**
